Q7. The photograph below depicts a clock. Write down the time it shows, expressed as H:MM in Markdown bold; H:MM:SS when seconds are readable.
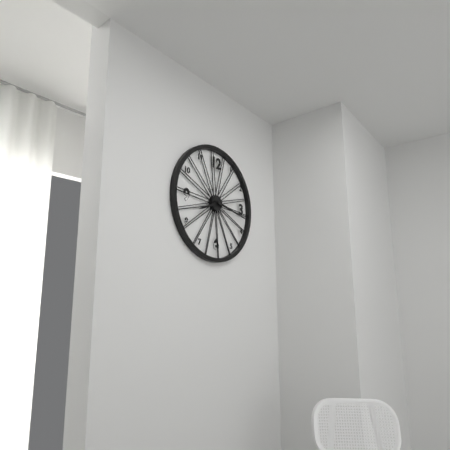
**8:17**
